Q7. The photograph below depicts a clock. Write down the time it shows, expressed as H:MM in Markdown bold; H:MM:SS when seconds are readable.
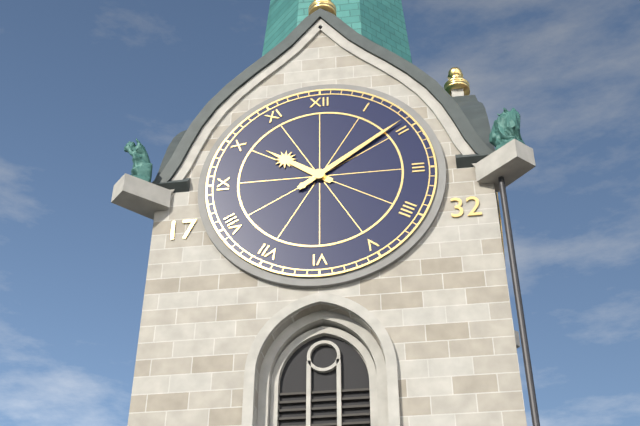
**10:09**
